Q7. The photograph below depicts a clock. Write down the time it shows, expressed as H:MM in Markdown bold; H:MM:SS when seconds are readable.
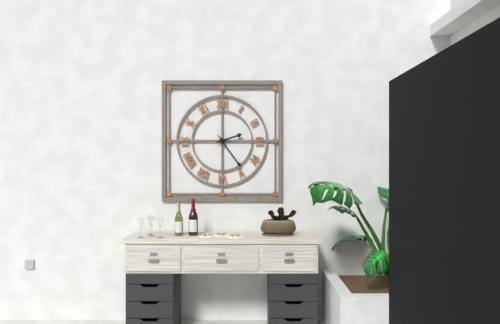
**2:24**
